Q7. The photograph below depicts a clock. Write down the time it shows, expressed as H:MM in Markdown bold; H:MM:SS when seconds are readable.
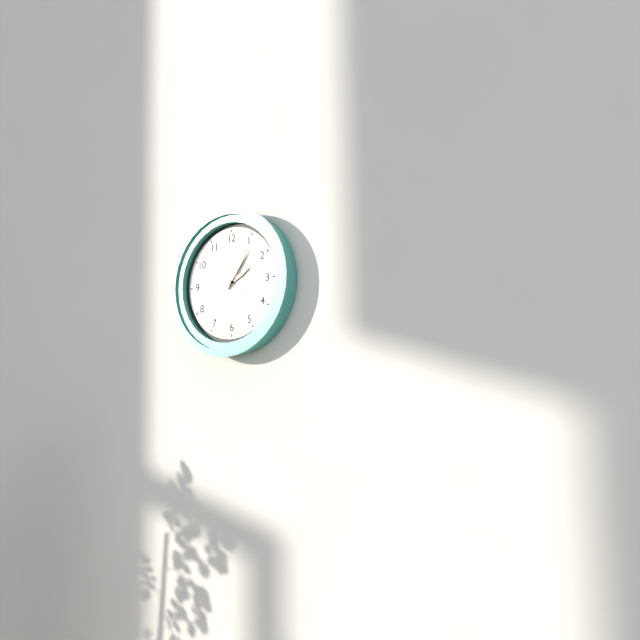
**2:06**
